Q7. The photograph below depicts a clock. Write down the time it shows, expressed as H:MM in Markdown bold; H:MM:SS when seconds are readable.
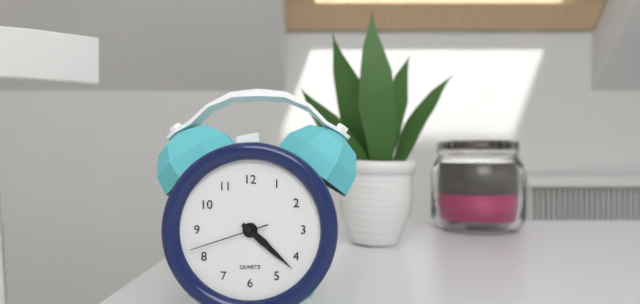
**4:22:42**
